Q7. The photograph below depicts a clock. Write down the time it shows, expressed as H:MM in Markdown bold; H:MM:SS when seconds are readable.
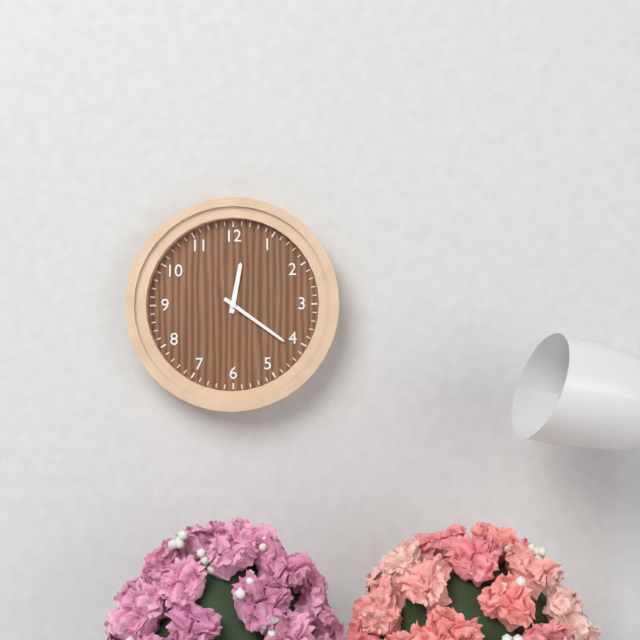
**12:21**
